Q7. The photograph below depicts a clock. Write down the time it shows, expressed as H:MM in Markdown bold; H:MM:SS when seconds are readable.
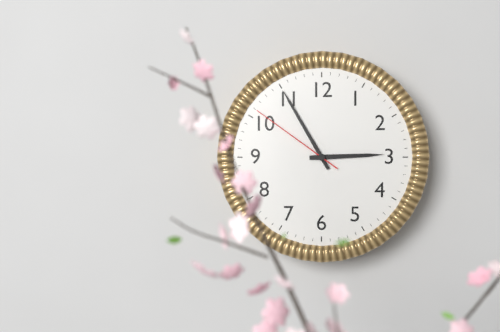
**2:55:51**
